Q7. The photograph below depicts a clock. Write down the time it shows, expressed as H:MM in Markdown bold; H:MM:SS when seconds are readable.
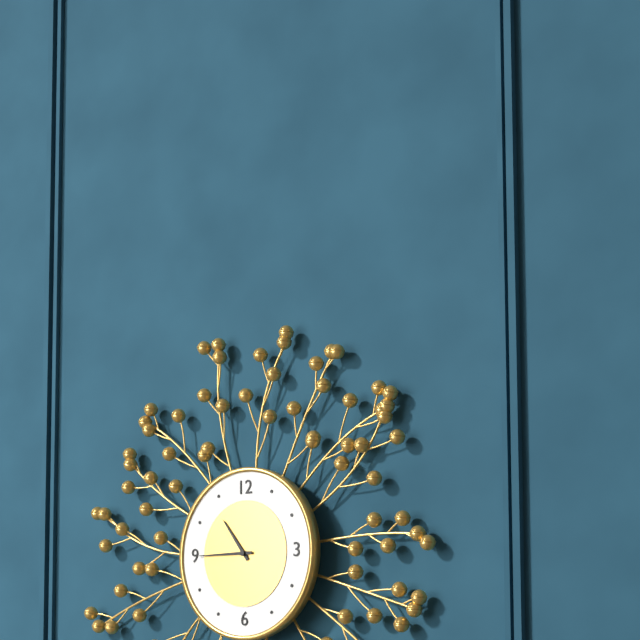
**10:45**
